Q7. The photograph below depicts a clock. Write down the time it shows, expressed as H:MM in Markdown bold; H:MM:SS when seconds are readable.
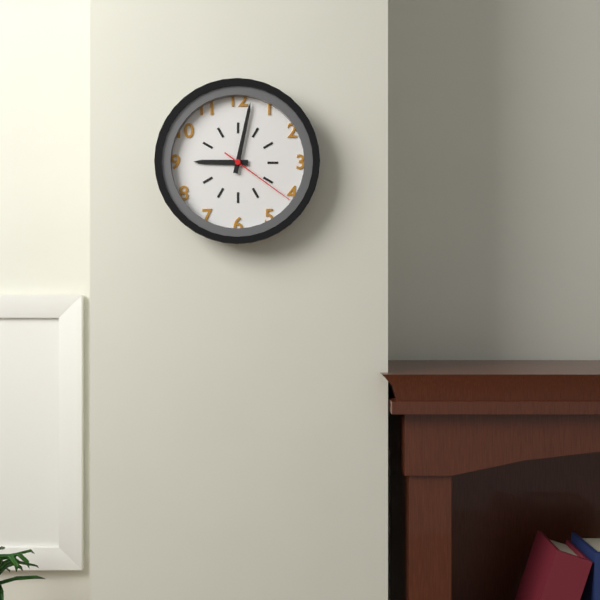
**9:02:21**
